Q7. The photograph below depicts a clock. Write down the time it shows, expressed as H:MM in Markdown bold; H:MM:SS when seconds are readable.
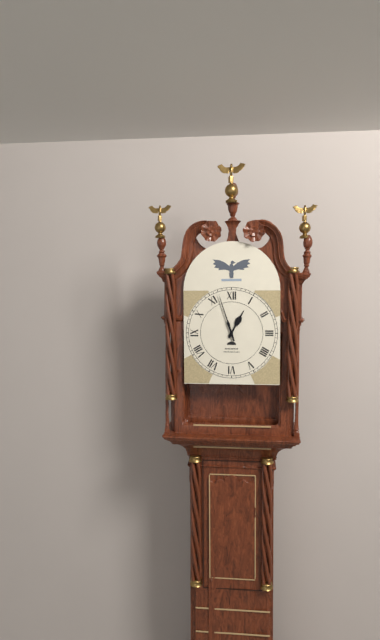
**12:57**
